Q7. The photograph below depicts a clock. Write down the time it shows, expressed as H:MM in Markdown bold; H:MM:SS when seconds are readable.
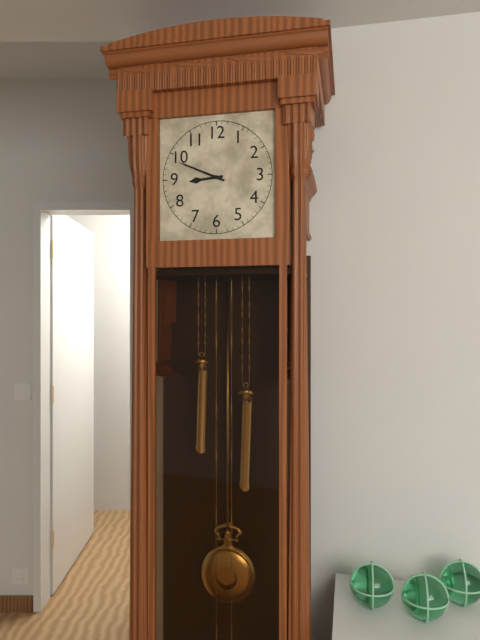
**8:49**
